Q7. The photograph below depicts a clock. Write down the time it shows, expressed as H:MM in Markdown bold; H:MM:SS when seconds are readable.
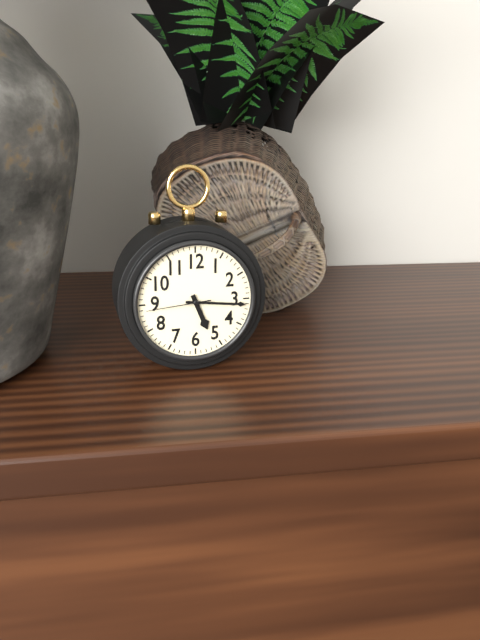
**5:16:44**
